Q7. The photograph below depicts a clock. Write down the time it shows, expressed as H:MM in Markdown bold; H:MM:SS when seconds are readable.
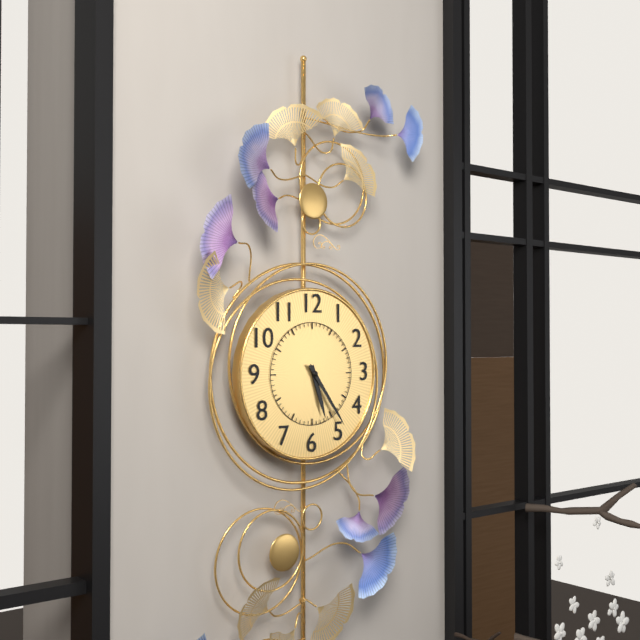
**5:24**
